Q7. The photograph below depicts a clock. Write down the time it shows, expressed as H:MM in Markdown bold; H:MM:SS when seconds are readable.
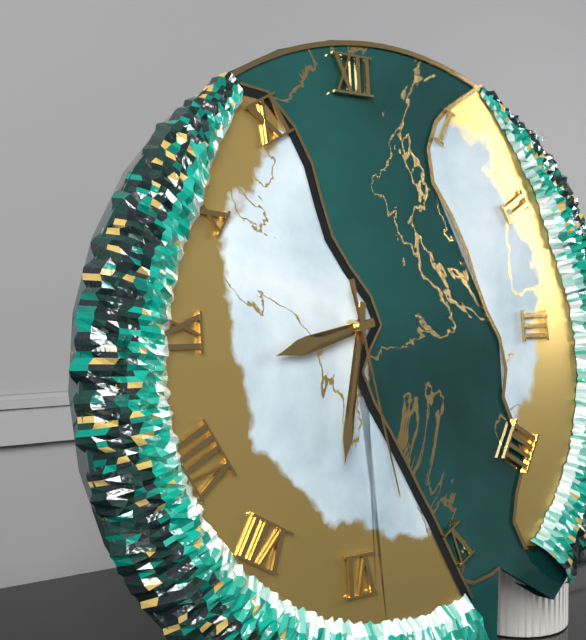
**8:32:28**
